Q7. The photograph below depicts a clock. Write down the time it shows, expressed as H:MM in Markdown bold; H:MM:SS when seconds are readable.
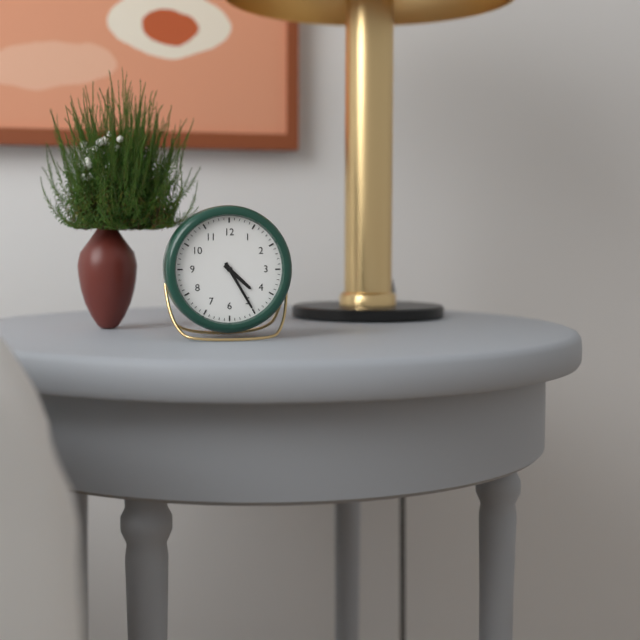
**4:25**
